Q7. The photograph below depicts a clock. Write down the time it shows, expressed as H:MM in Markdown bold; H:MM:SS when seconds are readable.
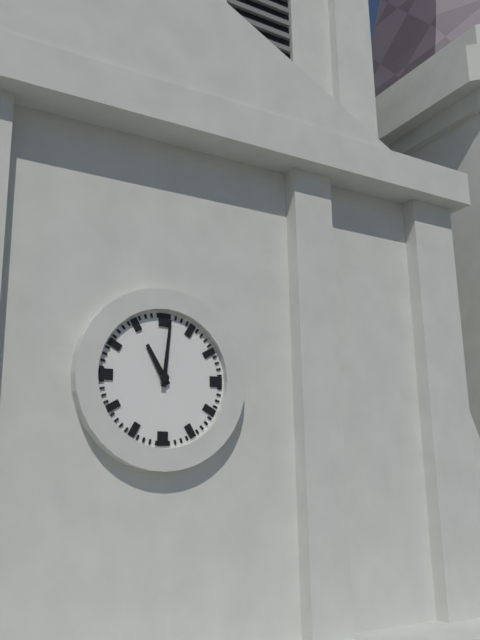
**11:01**
